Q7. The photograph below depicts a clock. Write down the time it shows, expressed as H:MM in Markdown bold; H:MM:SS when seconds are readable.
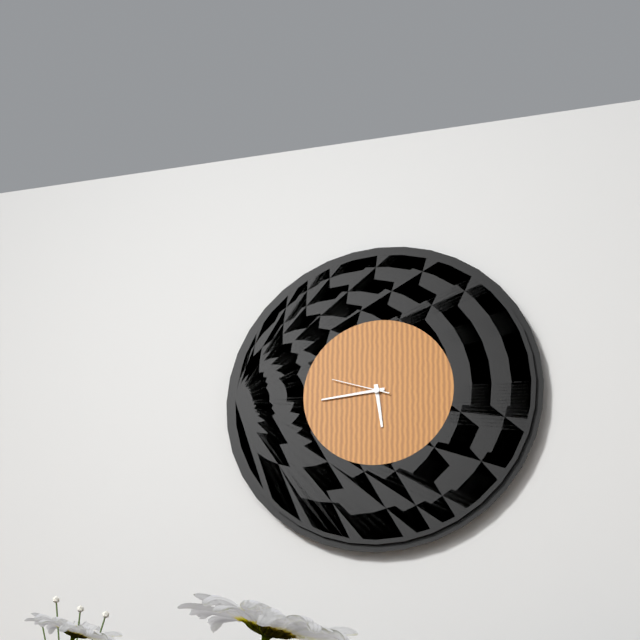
**5:44:48**
